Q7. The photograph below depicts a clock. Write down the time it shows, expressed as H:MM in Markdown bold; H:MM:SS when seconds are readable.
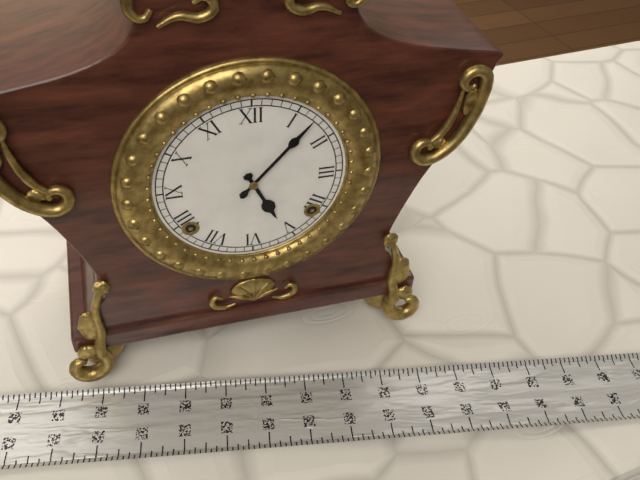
**5:07**
